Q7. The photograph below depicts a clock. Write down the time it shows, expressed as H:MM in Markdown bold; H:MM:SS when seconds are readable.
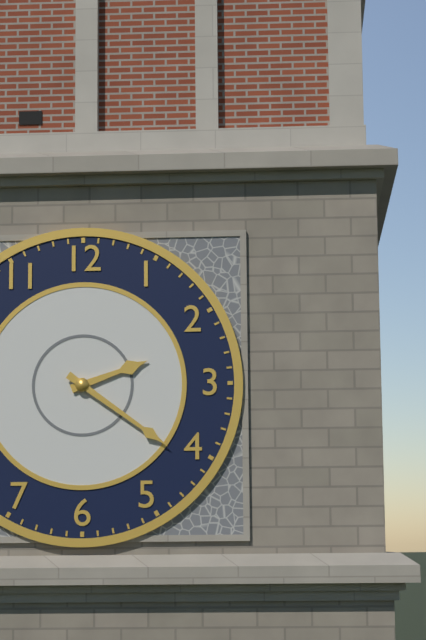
**2:21**
